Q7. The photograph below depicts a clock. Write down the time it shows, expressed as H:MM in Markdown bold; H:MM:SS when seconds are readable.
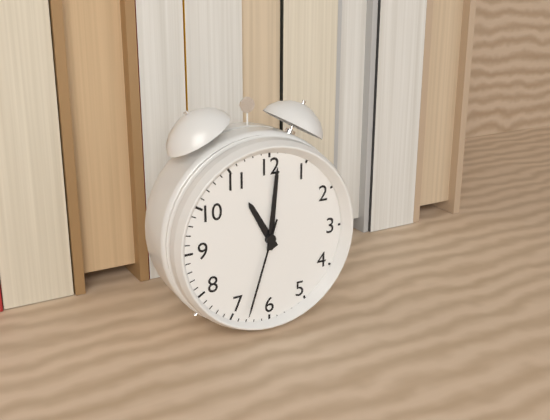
**11:01:33**
